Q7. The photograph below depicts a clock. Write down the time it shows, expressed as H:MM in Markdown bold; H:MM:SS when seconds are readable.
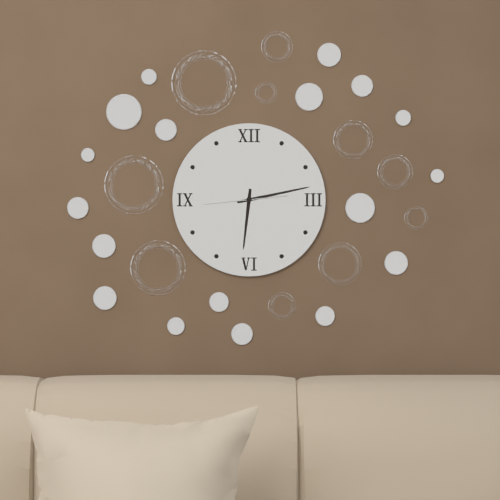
**6:13:44**
